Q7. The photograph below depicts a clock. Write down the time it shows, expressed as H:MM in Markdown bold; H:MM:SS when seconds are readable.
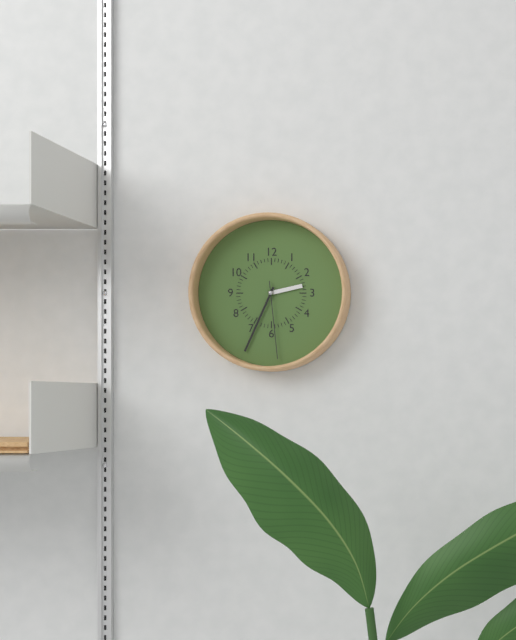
**2:34:29**
